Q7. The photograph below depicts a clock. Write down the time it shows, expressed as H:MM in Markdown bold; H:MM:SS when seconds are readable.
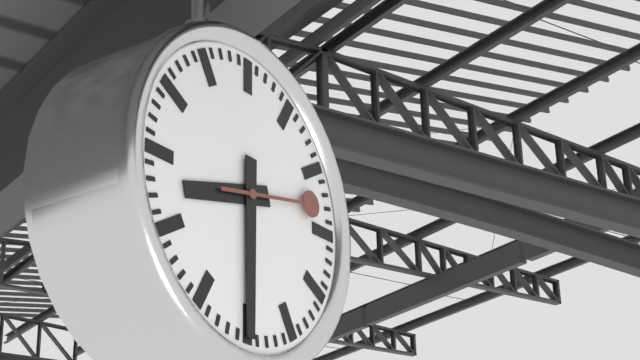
**8:30:13**
